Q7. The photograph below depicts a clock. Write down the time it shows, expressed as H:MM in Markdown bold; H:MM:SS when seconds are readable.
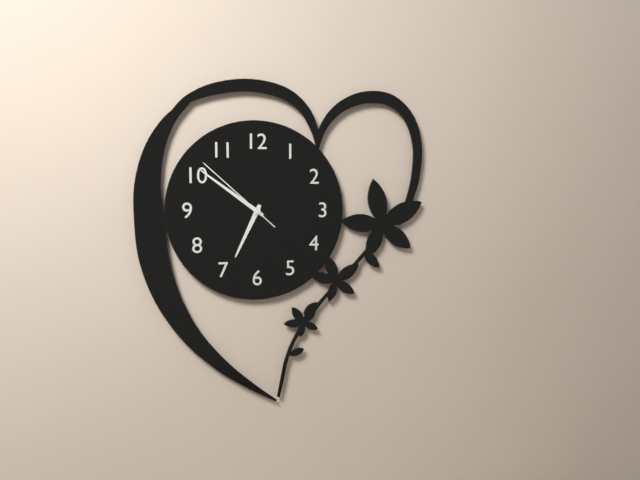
**6:51:52**
